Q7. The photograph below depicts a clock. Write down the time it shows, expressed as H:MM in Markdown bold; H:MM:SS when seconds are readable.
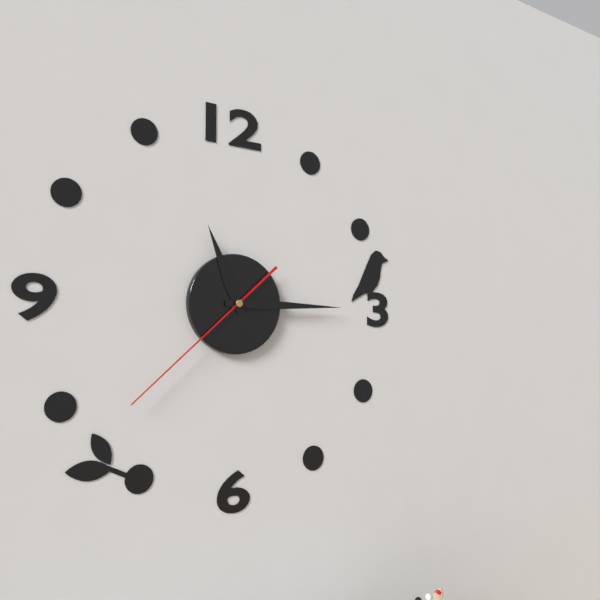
**11:15:38**
